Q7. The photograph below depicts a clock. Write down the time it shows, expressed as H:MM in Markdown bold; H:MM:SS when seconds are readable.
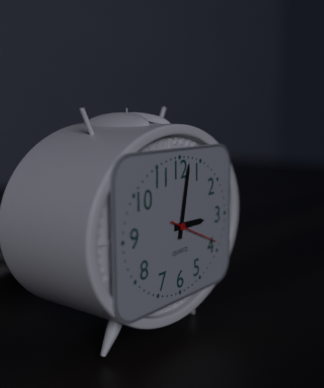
**3:02**
